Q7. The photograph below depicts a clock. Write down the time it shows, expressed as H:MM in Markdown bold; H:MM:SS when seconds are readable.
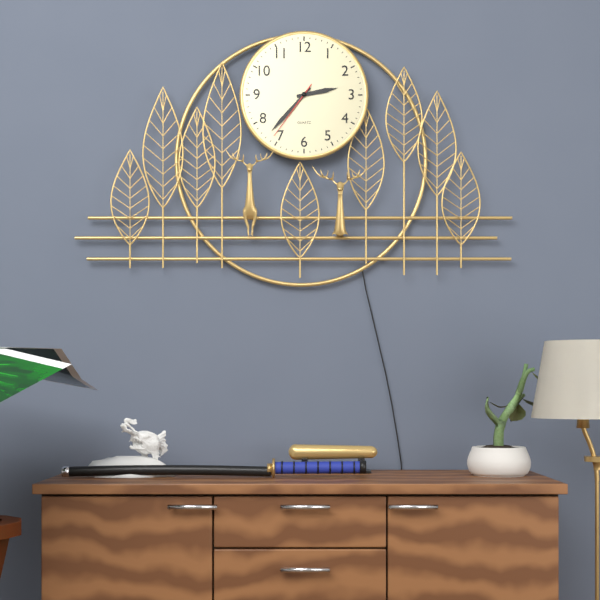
**2:37:36**
